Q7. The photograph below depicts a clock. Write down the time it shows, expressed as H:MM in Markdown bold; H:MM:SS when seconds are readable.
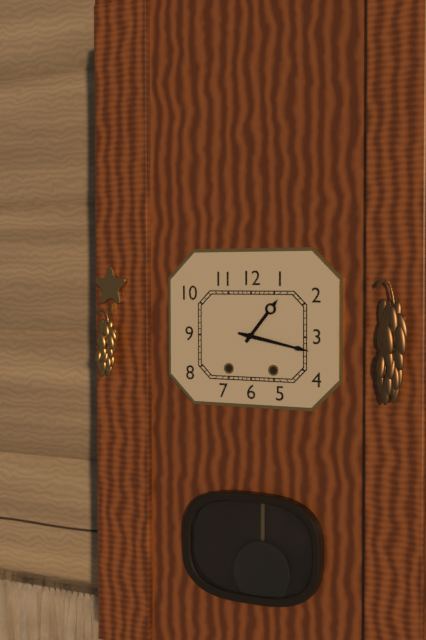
**1:17**
